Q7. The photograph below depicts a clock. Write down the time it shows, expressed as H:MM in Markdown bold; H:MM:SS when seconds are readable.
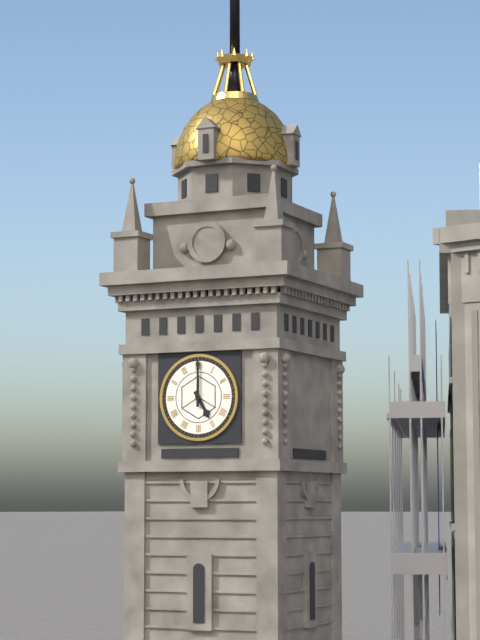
**5:00**
